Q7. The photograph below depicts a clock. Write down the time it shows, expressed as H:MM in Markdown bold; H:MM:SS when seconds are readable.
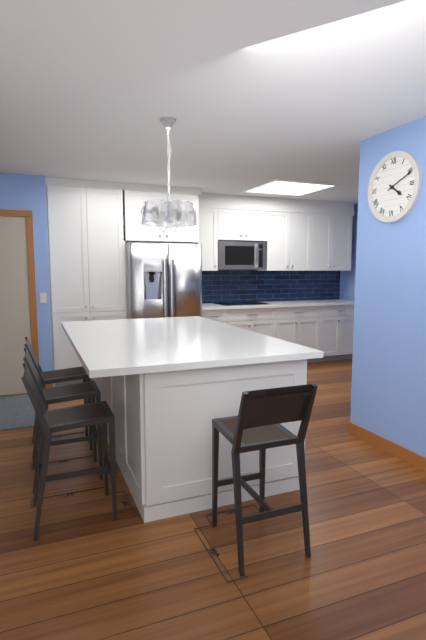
**4:11**
